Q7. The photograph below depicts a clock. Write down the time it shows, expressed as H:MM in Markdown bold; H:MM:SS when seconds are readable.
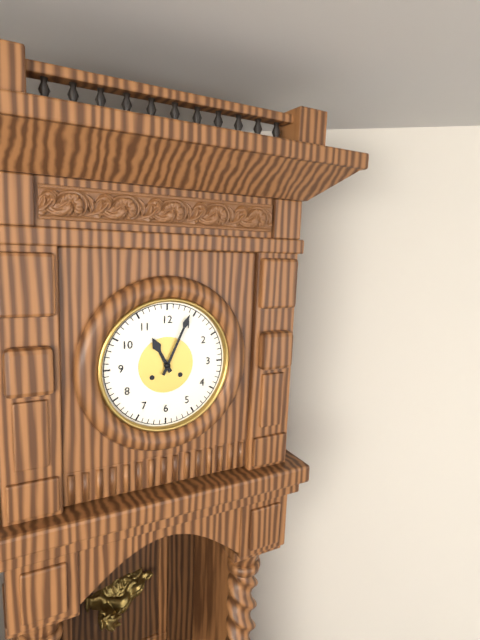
**11:04**
